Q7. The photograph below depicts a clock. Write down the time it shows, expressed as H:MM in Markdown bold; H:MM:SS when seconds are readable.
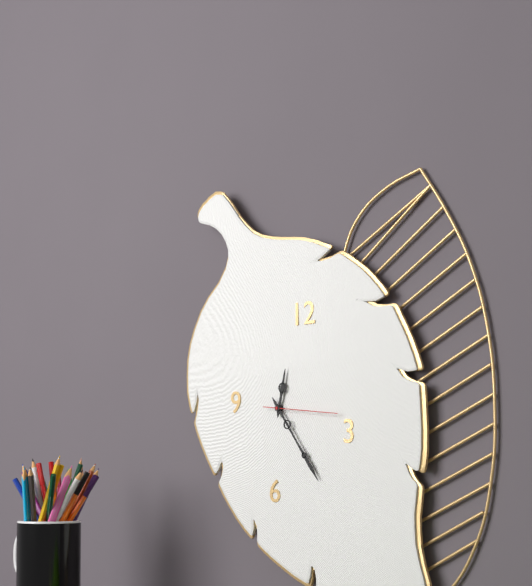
**12:24:16**
